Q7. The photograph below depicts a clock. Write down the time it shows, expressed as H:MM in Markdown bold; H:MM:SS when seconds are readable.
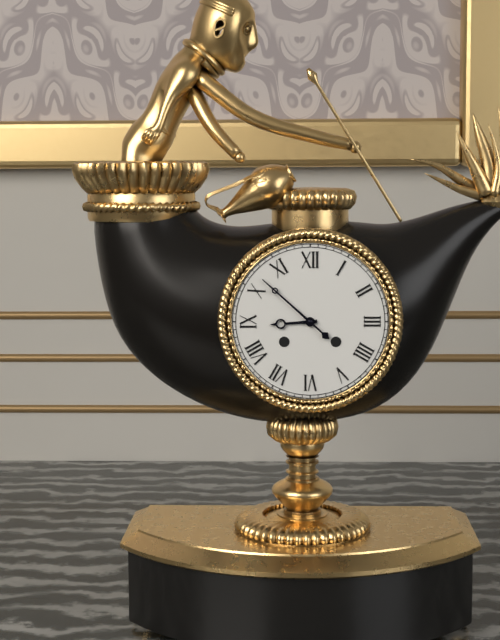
**8:52**
